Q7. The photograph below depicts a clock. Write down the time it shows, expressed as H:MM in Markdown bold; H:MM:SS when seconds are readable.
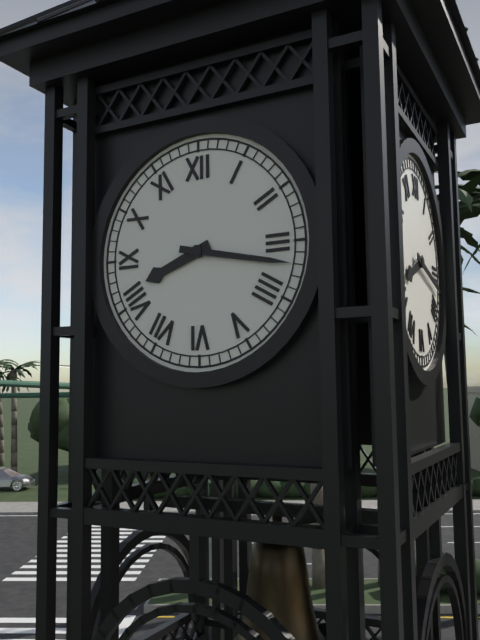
**8:17**
